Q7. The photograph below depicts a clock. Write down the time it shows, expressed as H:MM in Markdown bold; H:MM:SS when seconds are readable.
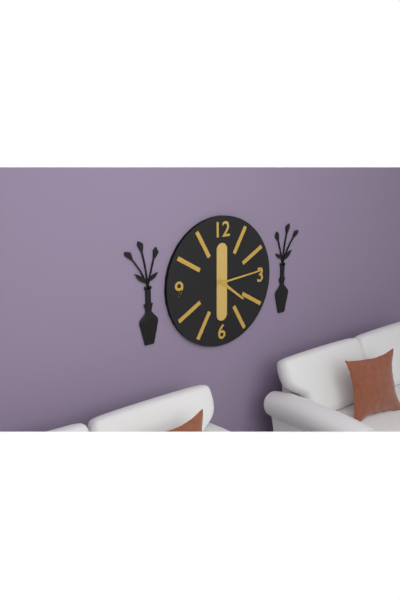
**4:14**
